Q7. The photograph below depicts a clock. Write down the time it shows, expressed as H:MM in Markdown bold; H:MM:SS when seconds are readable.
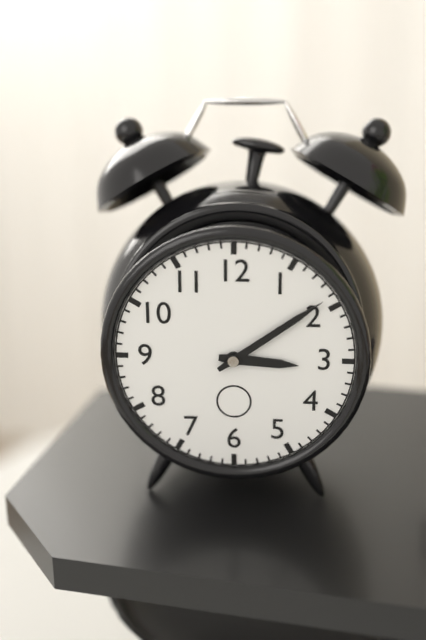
**3:09**
